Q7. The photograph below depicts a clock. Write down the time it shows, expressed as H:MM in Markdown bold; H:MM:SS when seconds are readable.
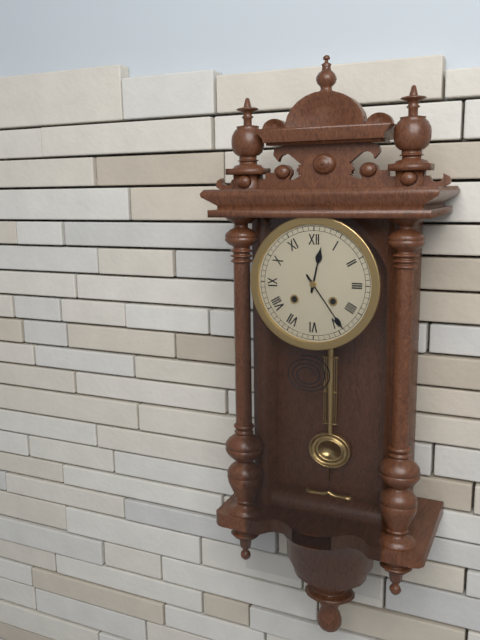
**12:24**
